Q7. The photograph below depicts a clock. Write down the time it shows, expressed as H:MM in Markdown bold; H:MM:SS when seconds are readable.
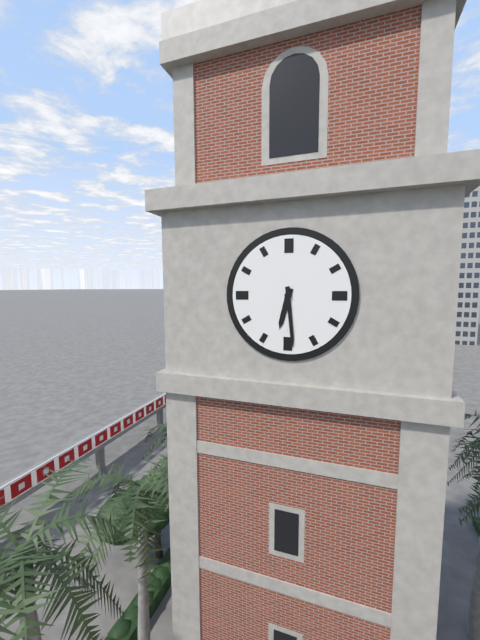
**6:29**
